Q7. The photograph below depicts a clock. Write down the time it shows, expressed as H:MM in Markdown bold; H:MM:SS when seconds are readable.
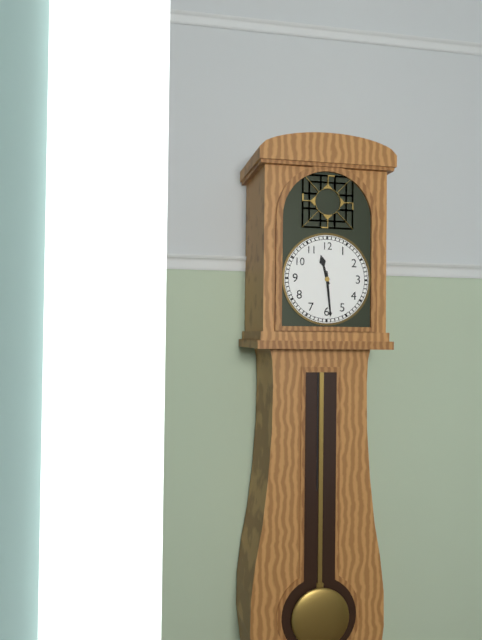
**11:29**
